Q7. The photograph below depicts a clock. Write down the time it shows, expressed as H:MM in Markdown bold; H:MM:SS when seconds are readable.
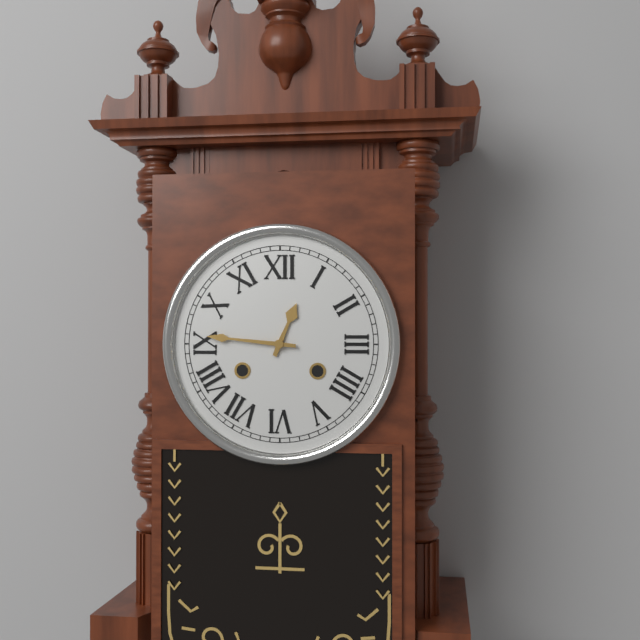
**12:46**
